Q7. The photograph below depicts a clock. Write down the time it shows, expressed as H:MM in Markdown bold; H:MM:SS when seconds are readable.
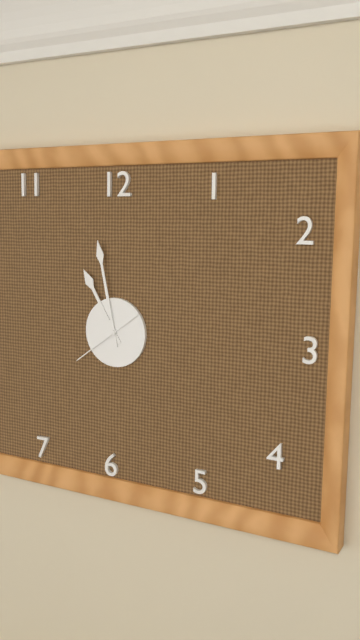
**10:58:39**
